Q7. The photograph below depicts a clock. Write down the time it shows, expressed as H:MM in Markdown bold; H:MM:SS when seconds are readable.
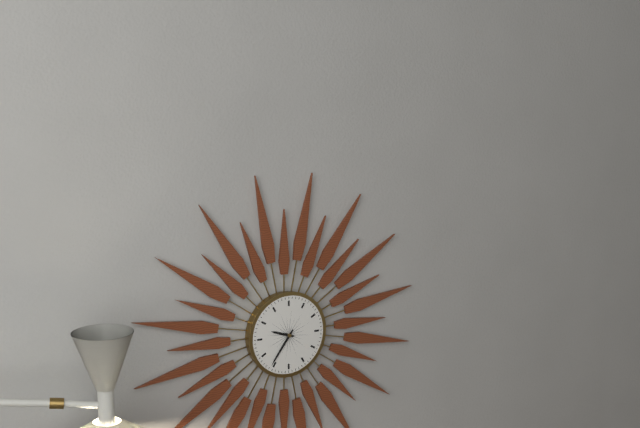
**9:36**
